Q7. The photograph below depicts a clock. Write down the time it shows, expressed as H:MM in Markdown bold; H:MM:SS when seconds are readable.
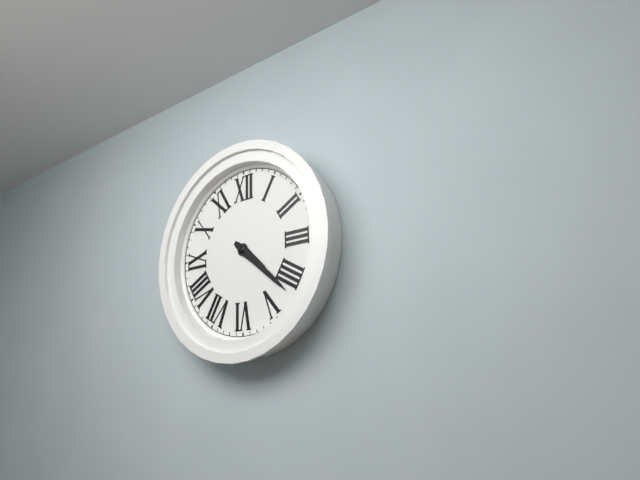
**4:22**
